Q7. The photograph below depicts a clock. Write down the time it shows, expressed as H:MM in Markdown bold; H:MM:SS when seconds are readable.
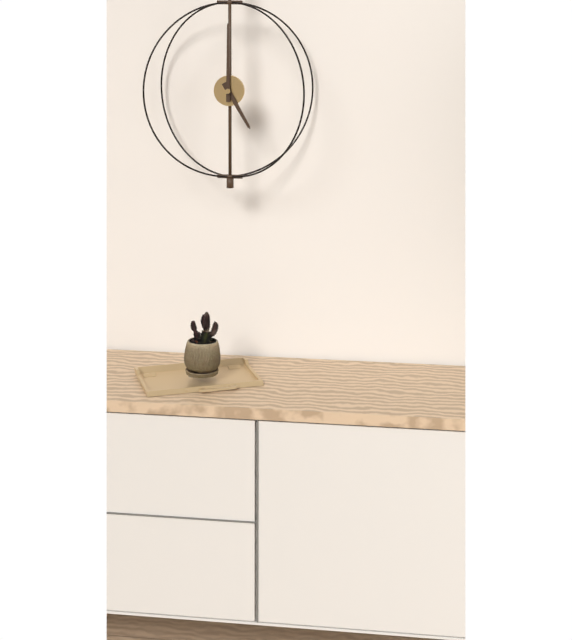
**5:00**
